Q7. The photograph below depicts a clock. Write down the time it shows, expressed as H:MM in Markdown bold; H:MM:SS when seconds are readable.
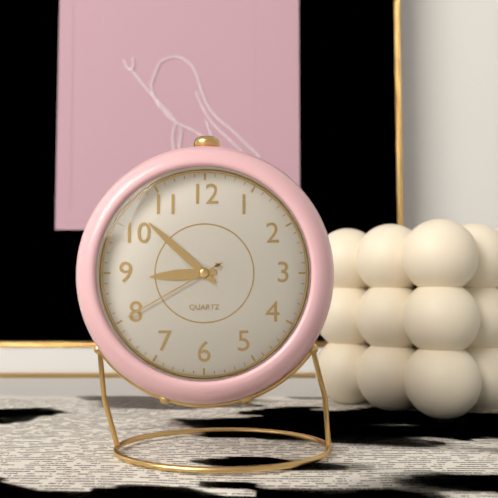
**8:52:40**
